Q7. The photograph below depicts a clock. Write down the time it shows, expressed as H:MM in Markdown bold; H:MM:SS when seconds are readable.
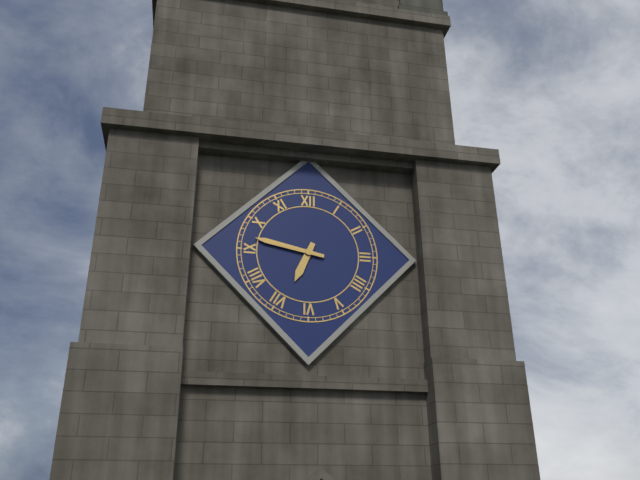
**6:47**
